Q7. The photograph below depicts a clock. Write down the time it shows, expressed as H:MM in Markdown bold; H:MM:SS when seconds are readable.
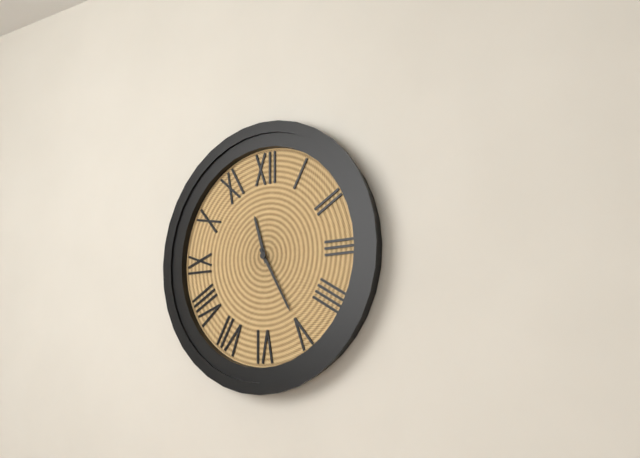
**11:25**
